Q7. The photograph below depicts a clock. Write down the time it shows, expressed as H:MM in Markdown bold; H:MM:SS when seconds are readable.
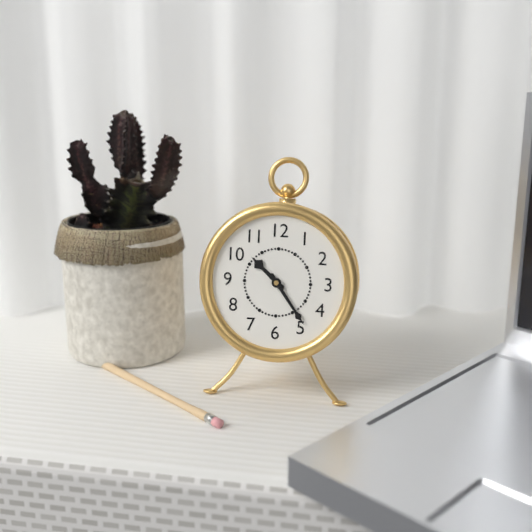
**10:24**
